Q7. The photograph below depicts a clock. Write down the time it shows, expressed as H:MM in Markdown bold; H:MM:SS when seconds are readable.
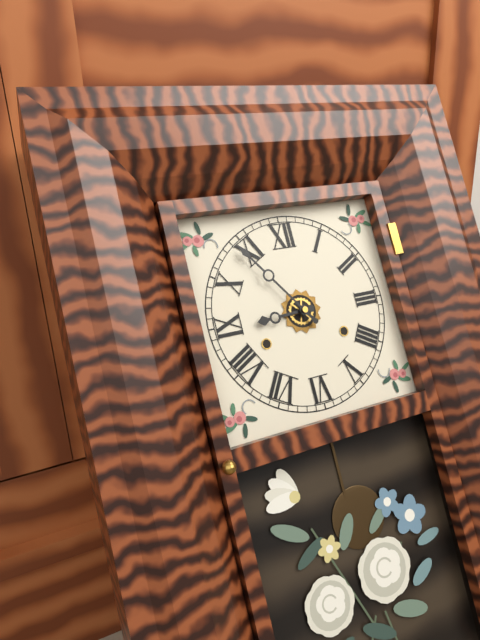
**8:54**
